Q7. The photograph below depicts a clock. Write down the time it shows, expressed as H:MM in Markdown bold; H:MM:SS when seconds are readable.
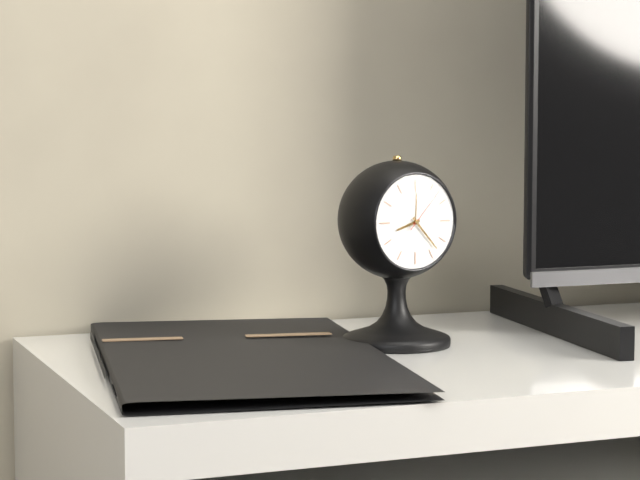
**8:23:07**
